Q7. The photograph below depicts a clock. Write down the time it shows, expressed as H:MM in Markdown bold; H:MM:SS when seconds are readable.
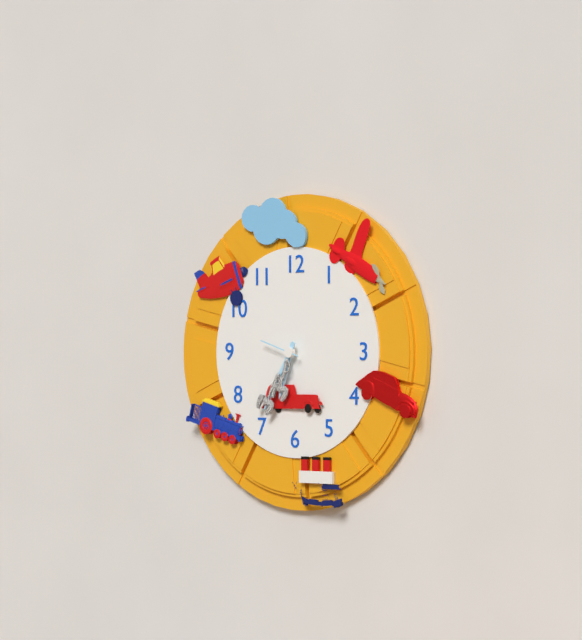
**6:35**
